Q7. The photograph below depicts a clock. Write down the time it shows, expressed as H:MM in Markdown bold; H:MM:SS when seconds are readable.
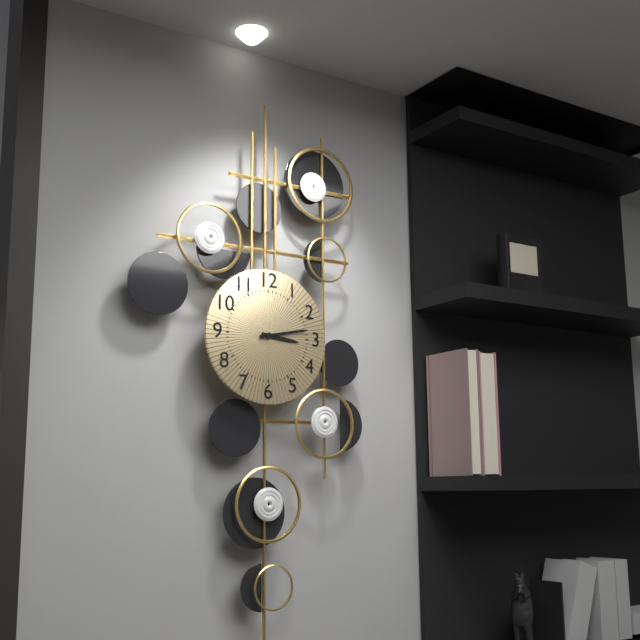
**3:13**
